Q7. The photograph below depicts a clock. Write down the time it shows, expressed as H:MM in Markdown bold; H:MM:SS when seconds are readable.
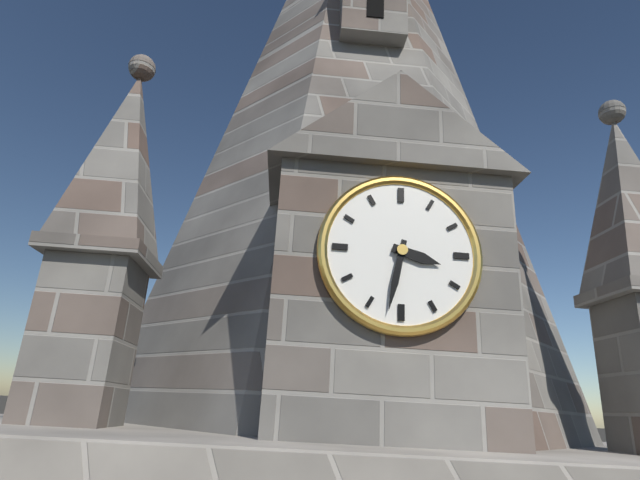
**3:32**
